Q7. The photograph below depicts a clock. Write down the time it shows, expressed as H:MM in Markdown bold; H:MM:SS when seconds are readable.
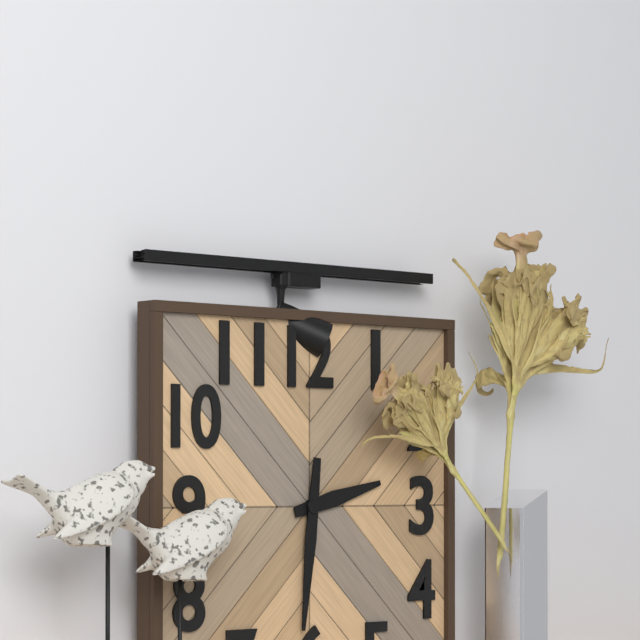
**2:31**
